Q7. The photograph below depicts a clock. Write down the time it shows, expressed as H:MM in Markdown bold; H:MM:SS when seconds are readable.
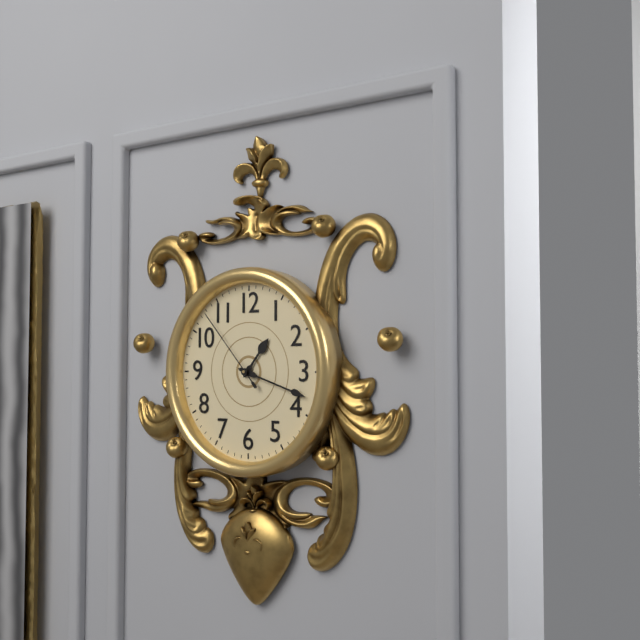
**1:18:53**
